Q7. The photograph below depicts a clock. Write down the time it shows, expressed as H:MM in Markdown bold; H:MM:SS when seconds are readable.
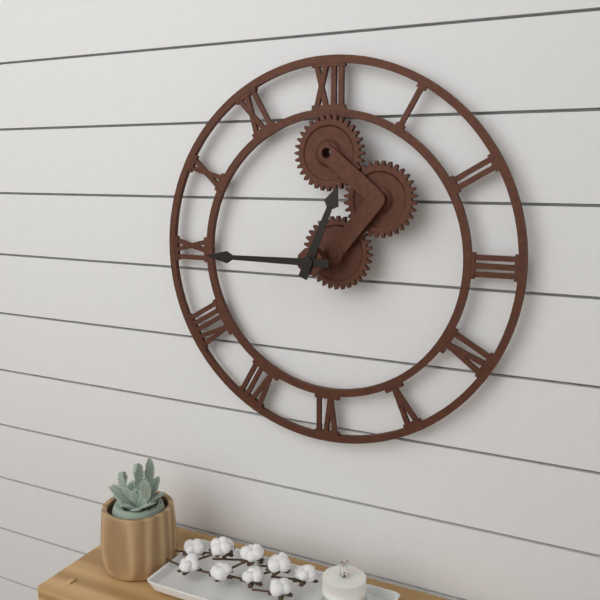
**12:45**
